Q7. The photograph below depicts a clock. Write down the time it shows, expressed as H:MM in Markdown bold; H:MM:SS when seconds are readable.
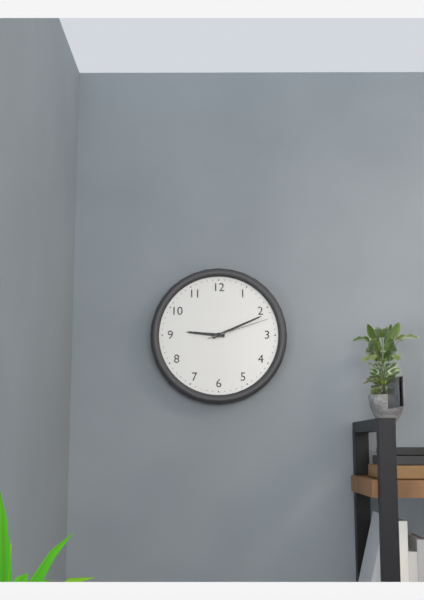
**9:11:12**
